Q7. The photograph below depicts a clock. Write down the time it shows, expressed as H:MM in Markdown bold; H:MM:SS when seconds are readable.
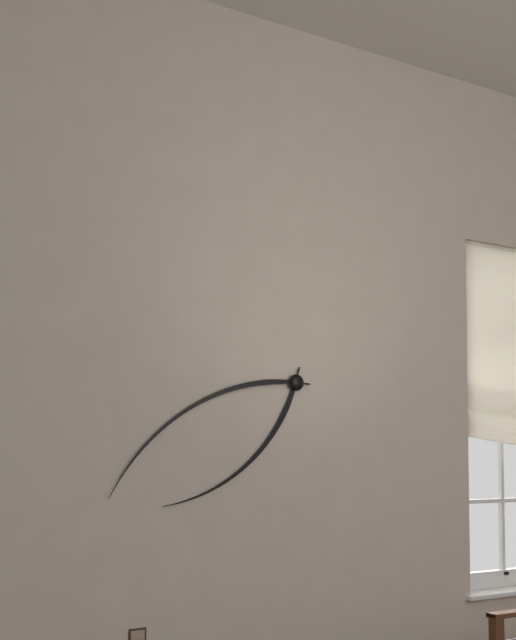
**7:40**
